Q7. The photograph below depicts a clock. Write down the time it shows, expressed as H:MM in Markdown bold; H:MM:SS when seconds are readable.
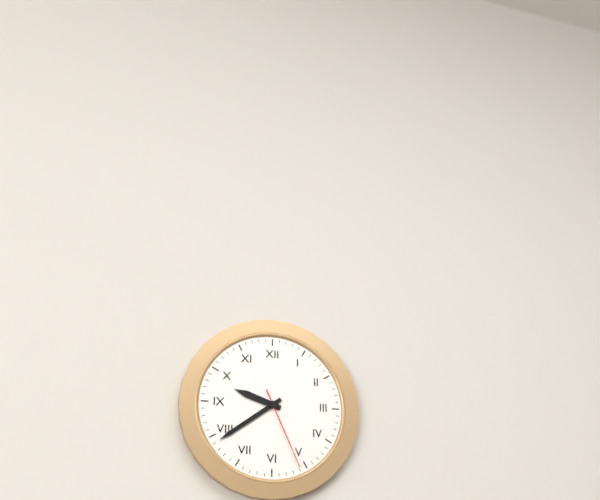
**9:39:26**
